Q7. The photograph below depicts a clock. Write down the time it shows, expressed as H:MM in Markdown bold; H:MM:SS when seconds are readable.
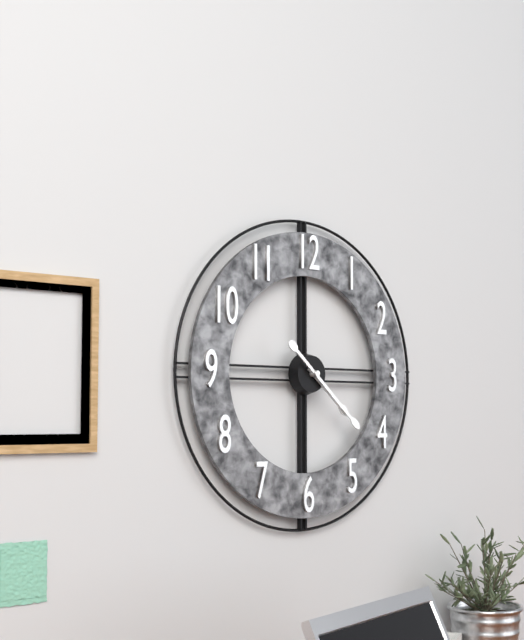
**4:22**
